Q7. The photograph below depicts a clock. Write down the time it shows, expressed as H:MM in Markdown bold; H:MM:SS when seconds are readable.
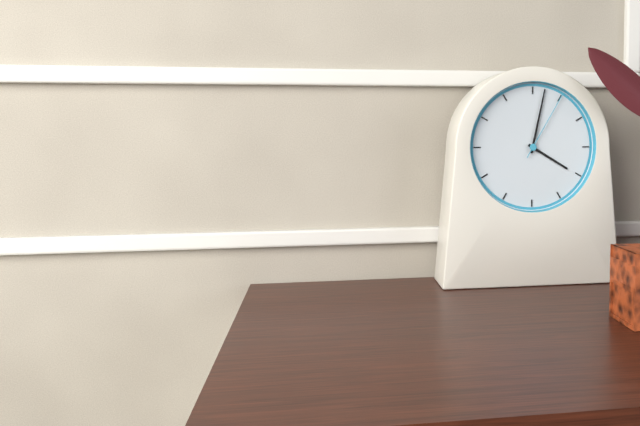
**4:02:05**
